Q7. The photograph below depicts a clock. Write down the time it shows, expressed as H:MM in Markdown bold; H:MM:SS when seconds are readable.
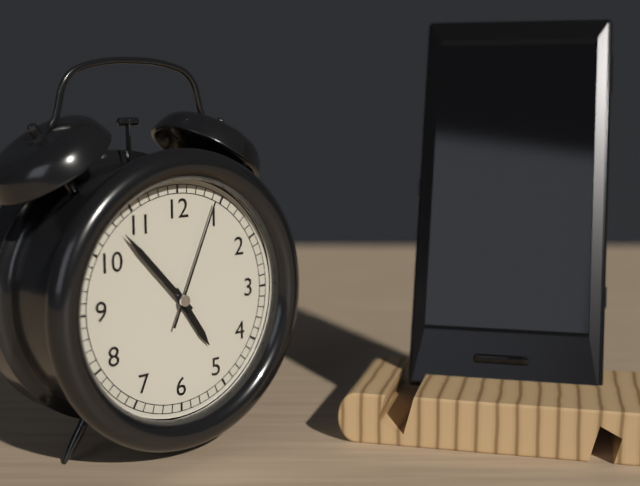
**4:53:04**
